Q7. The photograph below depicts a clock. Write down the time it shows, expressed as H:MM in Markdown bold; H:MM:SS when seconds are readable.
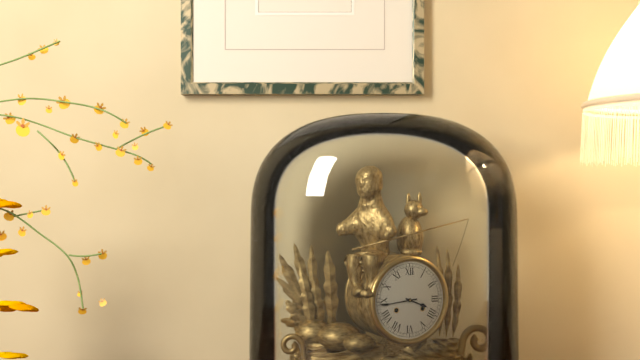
**3:44**
